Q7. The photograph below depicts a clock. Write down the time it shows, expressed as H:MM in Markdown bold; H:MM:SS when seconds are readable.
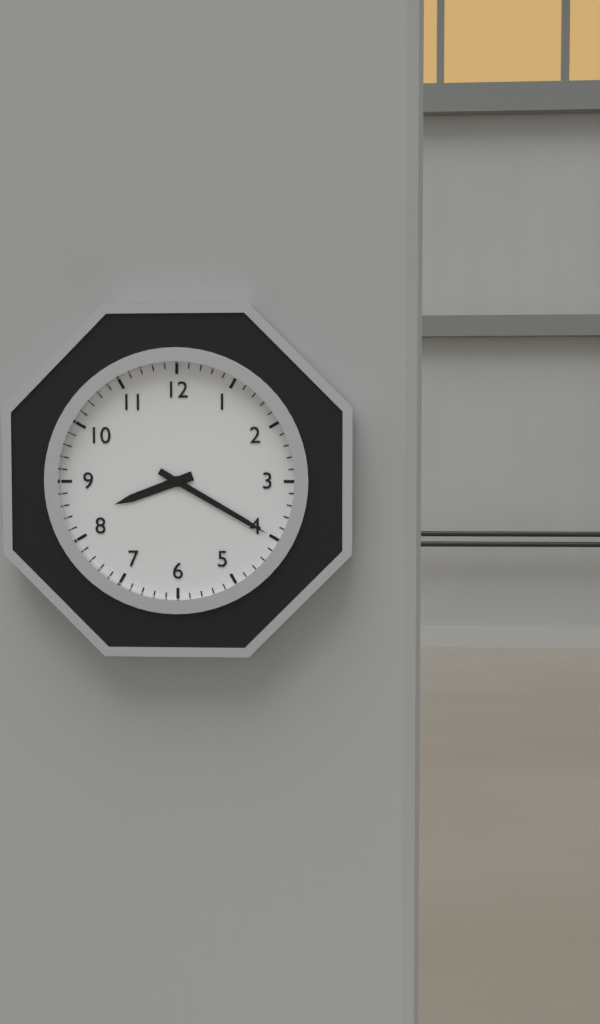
**8:20**
